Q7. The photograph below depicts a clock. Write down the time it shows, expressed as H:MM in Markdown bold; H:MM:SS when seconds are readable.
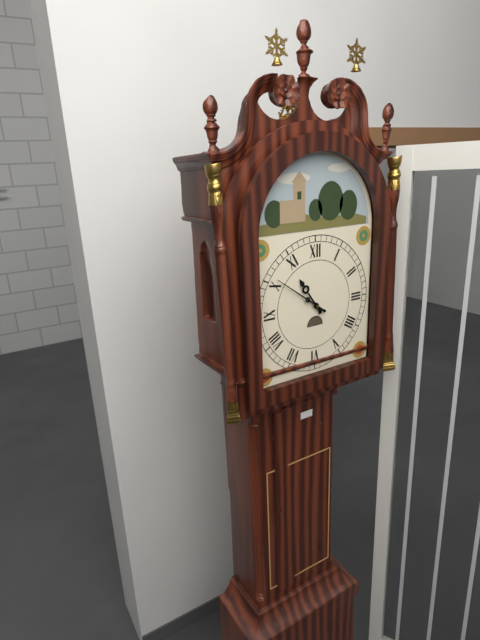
**10:51**
